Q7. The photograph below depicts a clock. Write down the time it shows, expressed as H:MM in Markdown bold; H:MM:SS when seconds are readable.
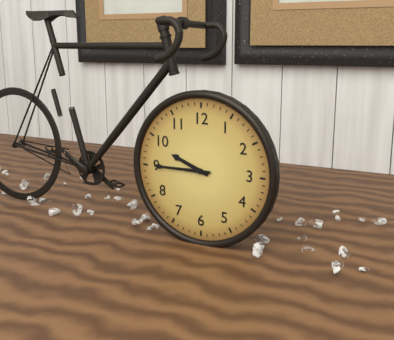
**9:45**
